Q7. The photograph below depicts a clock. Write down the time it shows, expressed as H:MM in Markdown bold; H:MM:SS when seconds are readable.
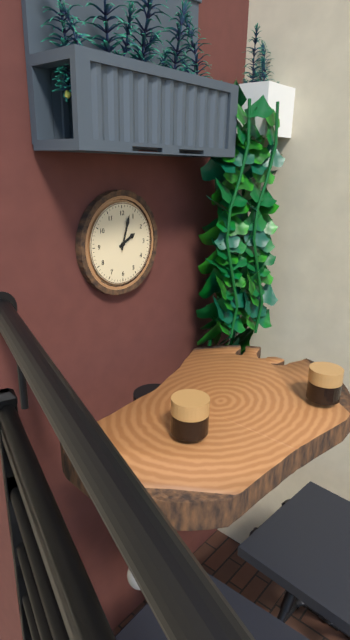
**2:03**
